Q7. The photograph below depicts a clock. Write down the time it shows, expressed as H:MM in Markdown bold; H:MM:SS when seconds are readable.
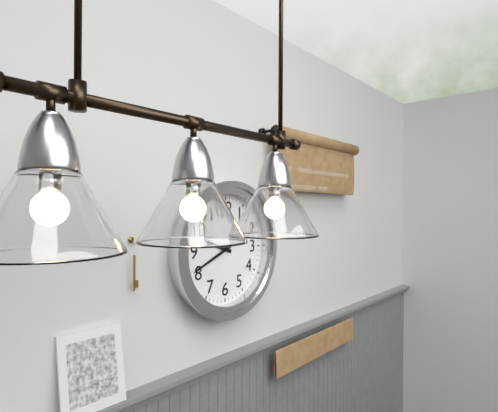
**9:41**
